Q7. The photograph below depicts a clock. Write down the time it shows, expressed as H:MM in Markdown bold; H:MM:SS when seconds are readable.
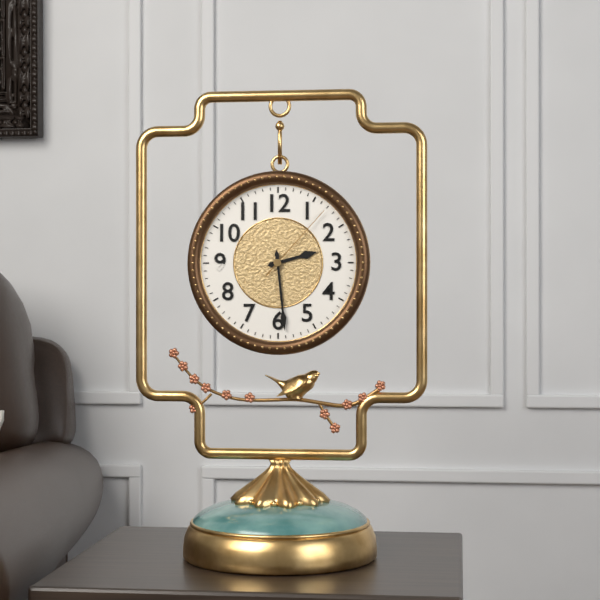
**2:29:07**
